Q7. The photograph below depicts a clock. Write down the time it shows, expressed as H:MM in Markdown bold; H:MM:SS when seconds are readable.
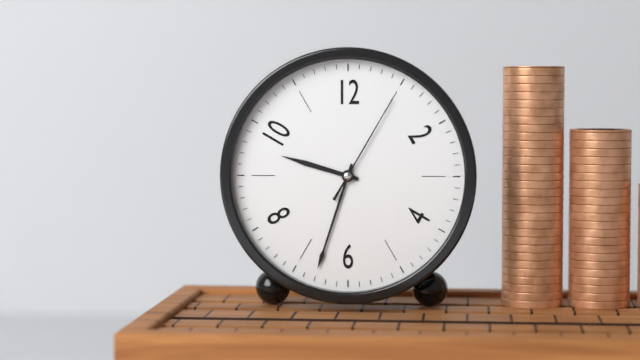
**9:33:05**
